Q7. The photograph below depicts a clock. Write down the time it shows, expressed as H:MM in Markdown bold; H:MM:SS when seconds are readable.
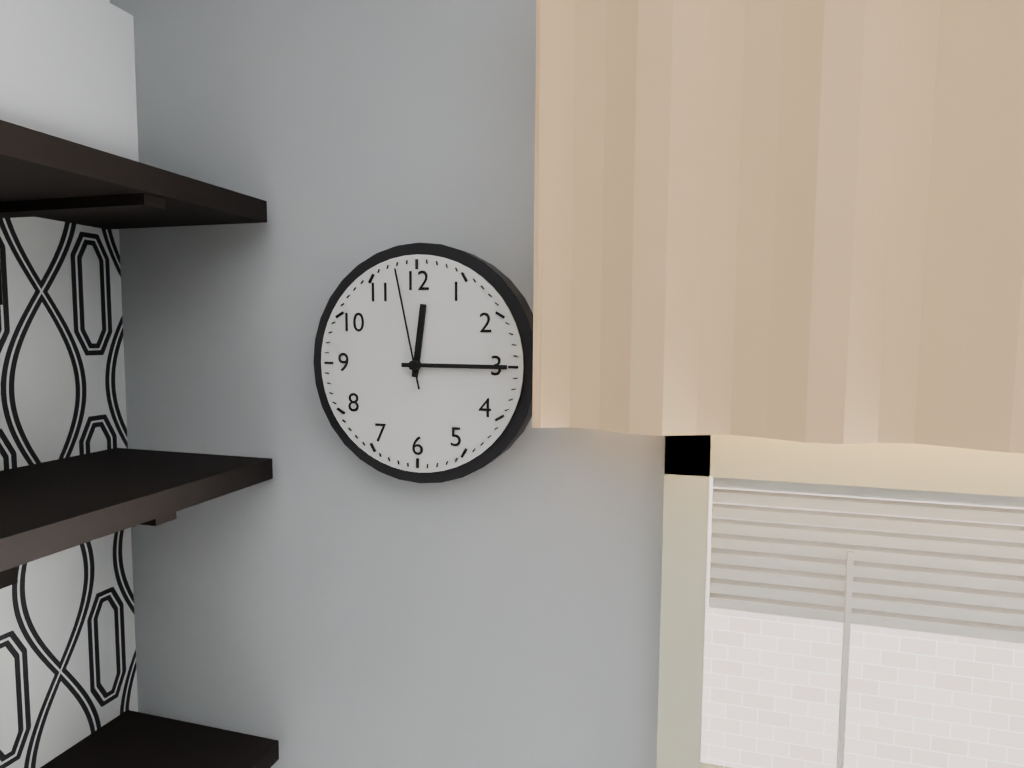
**12:15:58**
